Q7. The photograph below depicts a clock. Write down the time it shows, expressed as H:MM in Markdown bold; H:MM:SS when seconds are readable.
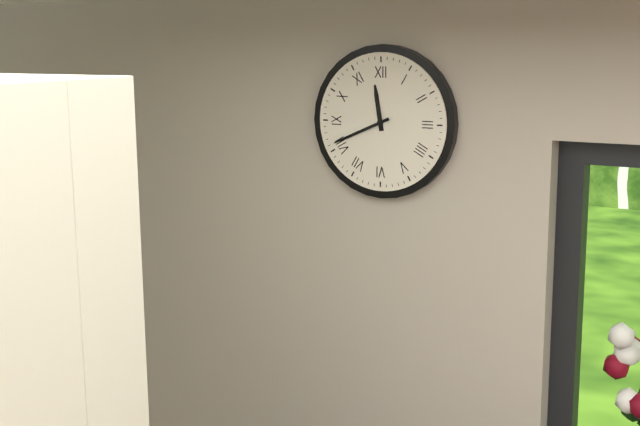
**11:41**
